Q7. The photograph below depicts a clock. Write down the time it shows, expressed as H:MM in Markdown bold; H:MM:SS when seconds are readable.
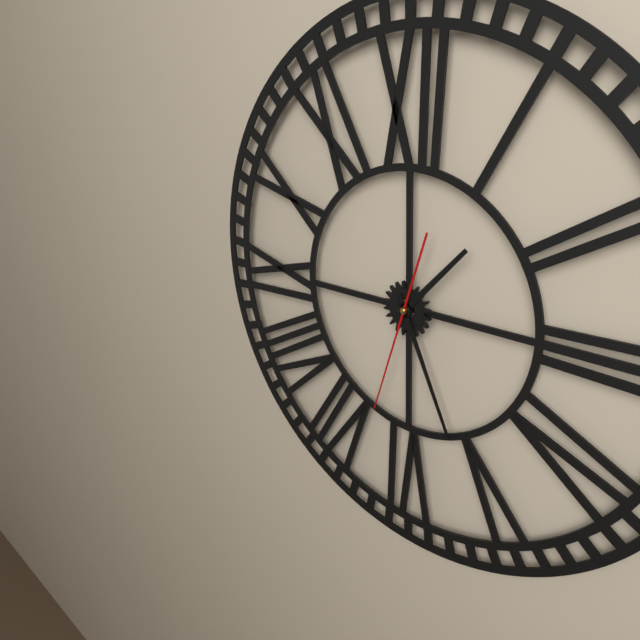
**1:26:33**
